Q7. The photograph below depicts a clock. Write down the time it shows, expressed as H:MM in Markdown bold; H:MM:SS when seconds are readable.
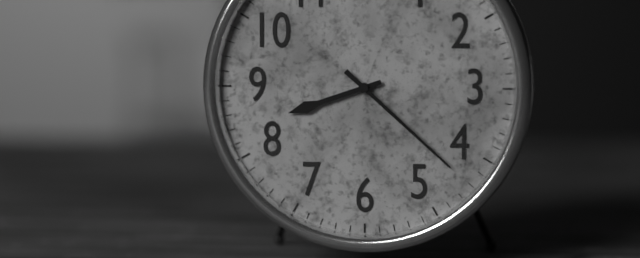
**8:22**
